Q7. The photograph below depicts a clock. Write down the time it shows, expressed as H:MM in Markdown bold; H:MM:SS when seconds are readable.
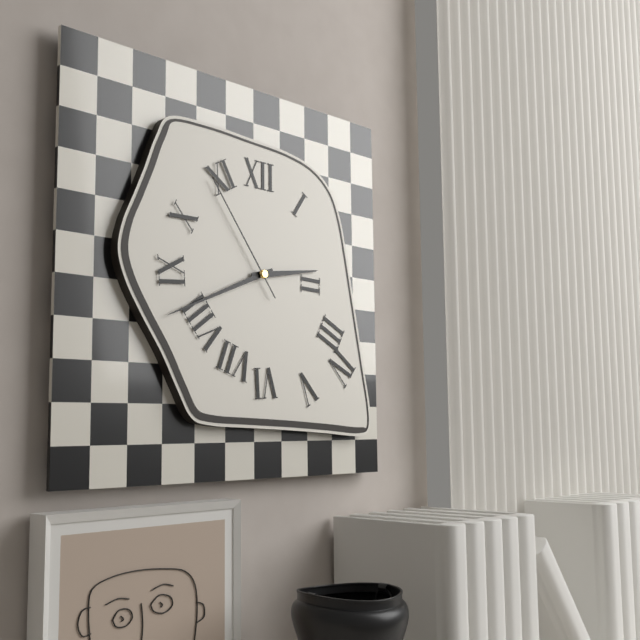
**2:41:54**
